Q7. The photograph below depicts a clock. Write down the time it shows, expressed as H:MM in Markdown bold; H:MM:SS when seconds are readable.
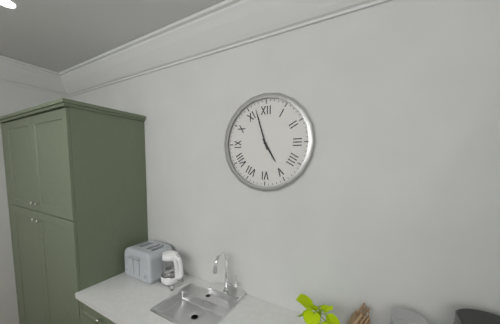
**4:57**
